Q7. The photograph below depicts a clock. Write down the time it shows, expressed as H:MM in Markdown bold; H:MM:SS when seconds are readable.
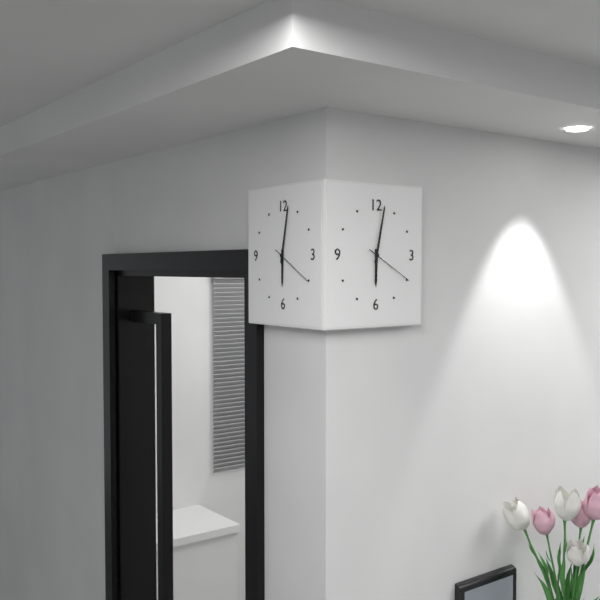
**6:02**
